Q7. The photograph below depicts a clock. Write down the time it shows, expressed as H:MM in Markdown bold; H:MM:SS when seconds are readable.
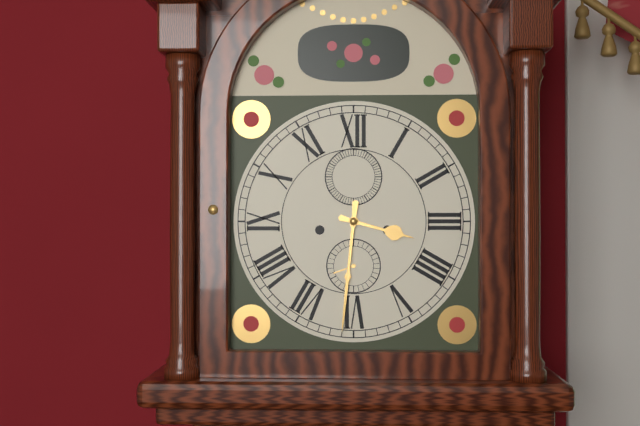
**3:31**
